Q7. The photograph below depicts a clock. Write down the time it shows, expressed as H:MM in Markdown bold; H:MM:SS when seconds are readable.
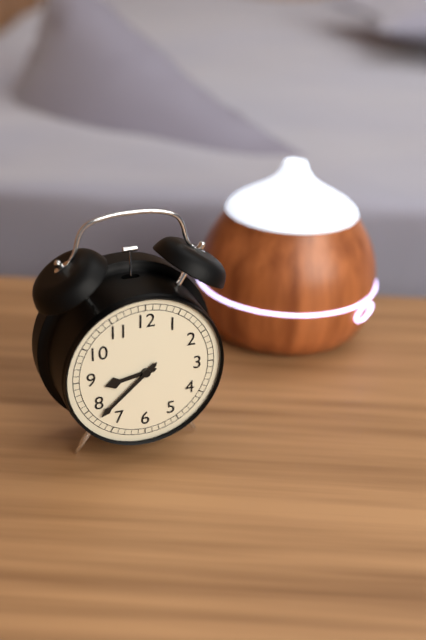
**8:38**
